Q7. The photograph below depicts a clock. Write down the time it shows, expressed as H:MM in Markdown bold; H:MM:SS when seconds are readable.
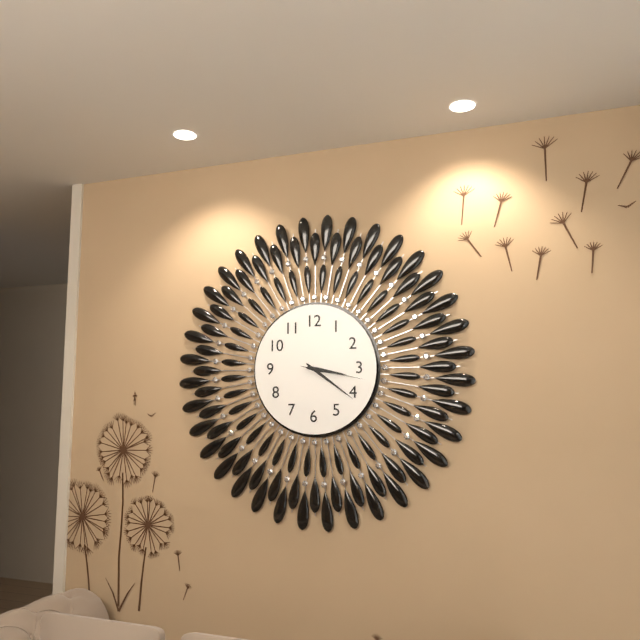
**3:21:17**
